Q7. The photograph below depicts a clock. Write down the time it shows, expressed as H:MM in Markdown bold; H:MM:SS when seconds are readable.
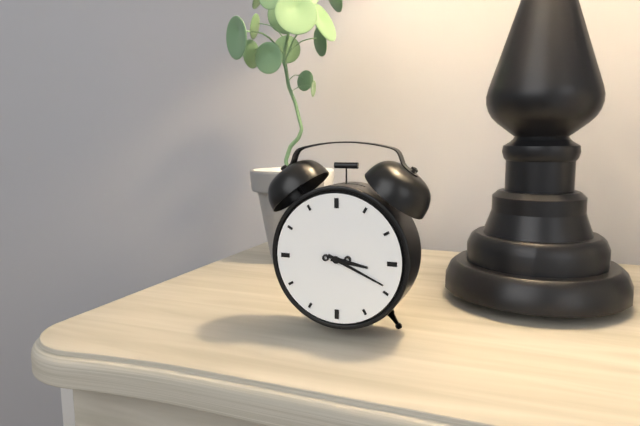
**3:19**
